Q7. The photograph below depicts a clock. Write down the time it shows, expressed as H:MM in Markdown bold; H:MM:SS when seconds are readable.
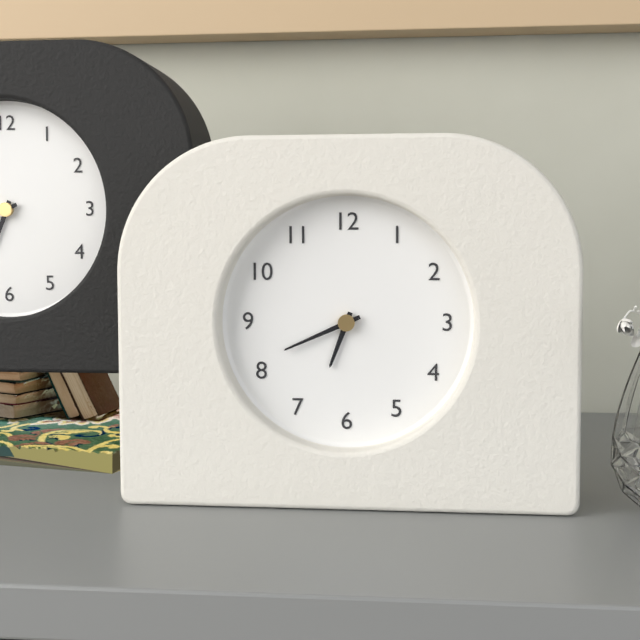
**6:41**
